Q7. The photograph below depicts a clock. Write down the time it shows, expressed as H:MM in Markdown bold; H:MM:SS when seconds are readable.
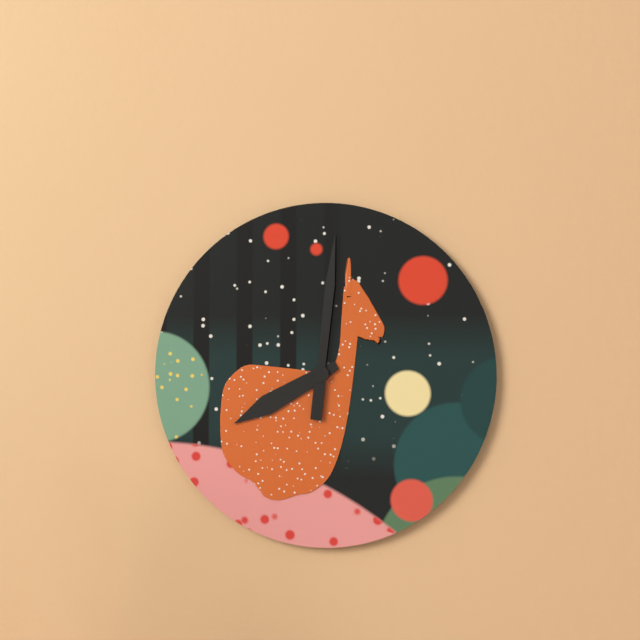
**8:01**
